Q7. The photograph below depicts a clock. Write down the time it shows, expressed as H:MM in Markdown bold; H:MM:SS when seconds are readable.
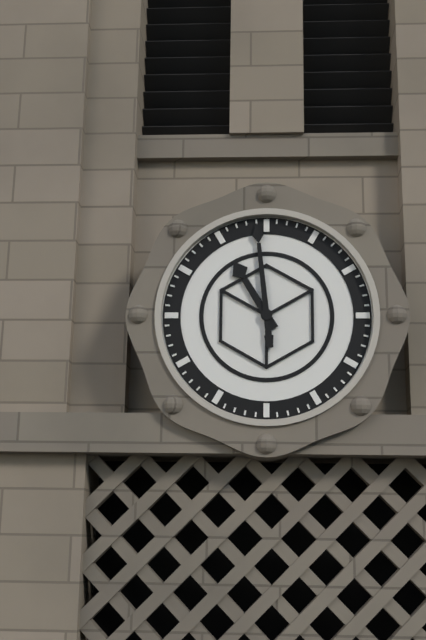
**10:59**
